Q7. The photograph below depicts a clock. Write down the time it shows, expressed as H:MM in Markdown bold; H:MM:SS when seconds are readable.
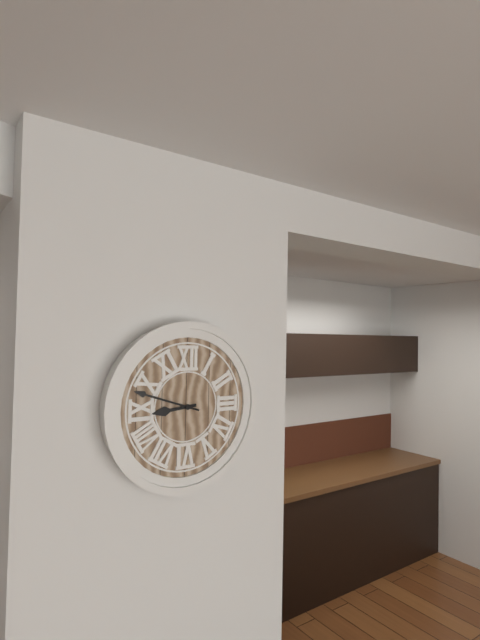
**8:48**
